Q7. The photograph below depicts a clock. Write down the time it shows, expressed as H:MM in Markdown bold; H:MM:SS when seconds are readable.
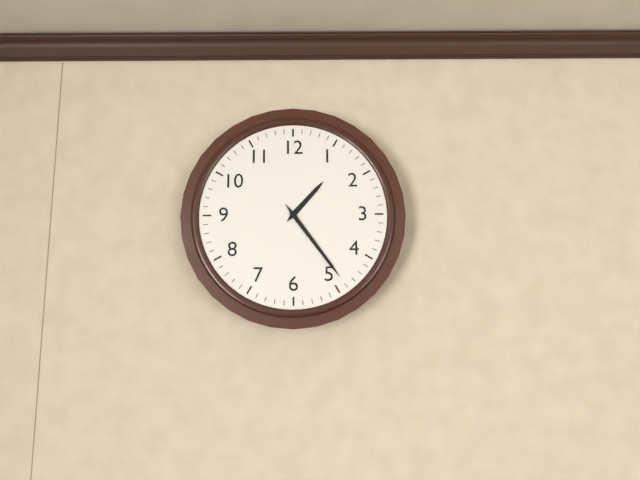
**1:24**
